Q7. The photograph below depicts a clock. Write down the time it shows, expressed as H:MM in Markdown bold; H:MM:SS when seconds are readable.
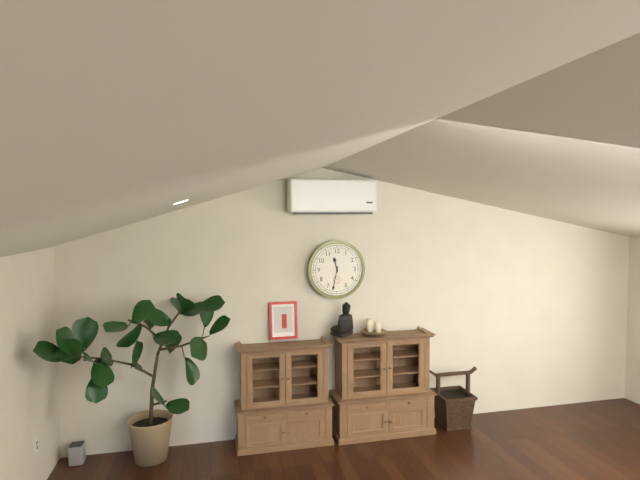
**11:32**
